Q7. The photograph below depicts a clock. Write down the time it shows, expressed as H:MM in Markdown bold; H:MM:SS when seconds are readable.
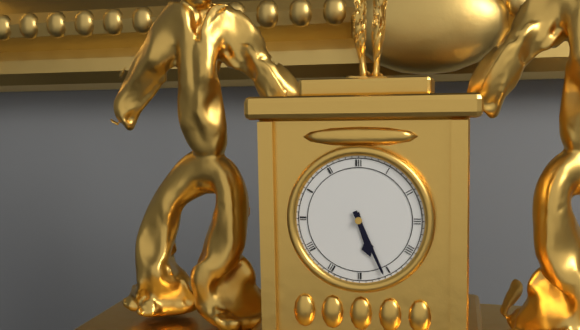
**5:26**
